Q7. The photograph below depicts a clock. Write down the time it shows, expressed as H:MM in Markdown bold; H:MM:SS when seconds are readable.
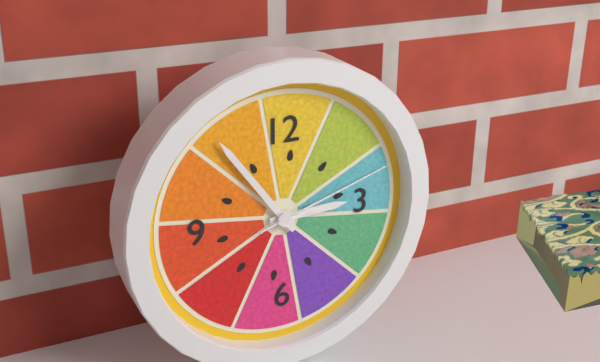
**2:54:12**
